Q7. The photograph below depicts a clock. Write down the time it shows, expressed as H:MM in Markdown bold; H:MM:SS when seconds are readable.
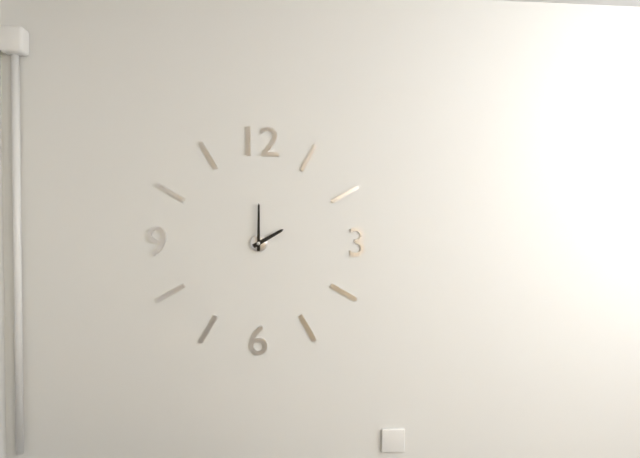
**2:00**
